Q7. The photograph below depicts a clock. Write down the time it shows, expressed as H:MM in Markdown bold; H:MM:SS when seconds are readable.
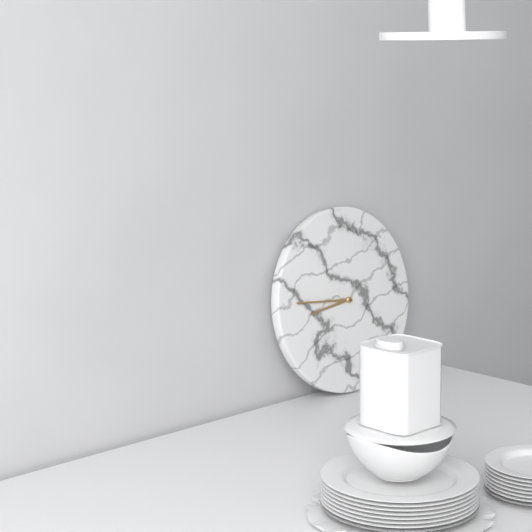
**8:46**
